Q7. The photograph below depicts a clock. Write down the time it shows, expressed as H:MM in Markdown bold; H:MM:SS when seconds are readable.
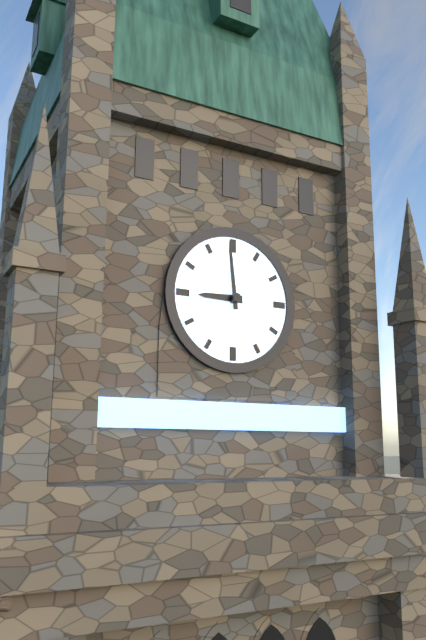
**8:59**
